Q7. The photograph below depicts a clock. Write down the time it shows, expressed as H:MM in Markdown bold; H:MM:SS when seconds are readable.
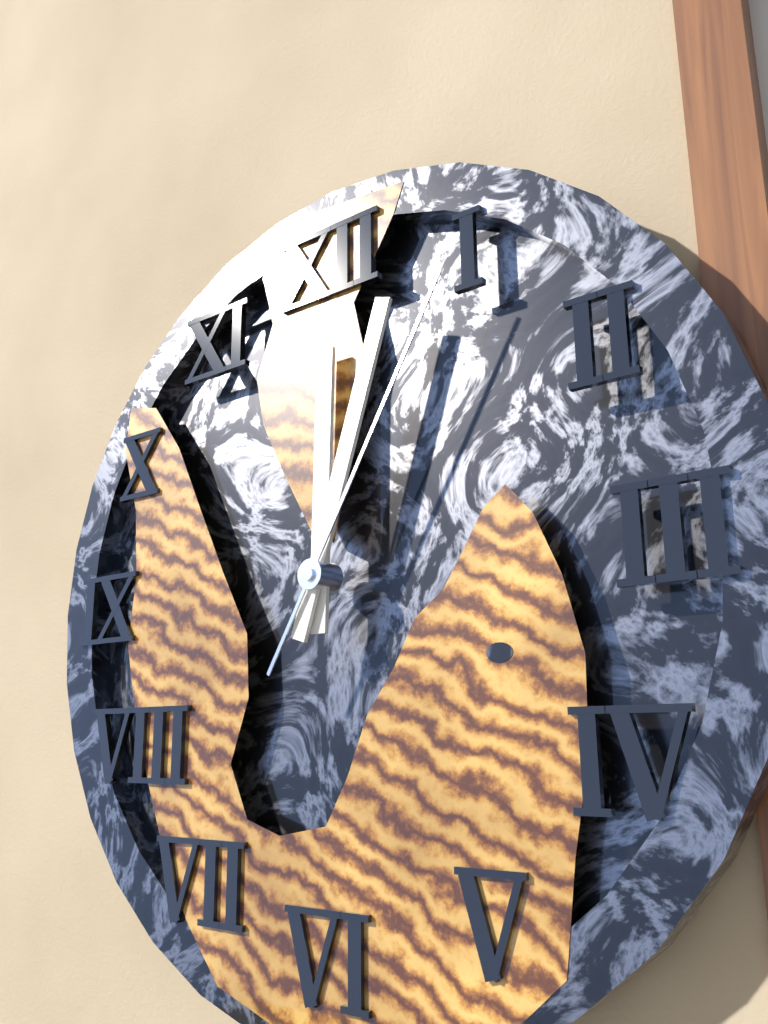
**12:03:05**
